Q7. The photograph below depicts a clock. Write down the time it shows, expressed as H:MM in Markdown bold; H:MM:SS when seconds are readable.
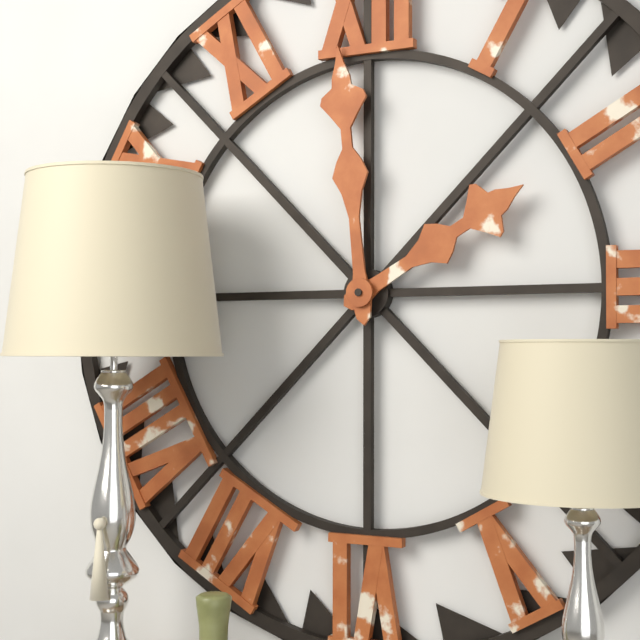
**1:59**
